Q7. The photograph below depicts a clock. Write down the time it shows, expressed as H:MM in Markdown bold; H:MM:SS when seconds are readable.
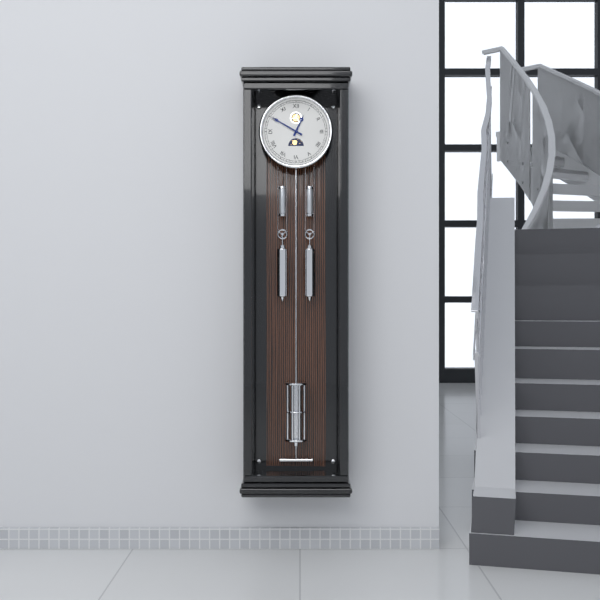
**12:50**
